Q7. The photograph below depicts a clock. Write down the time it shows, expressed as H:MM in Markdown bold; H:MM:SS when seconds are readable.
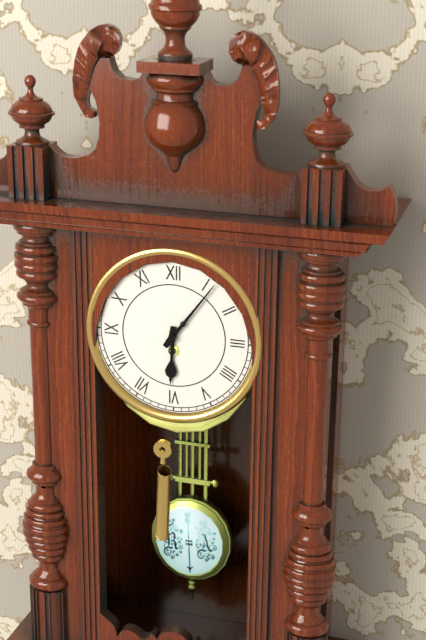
**6:06**
